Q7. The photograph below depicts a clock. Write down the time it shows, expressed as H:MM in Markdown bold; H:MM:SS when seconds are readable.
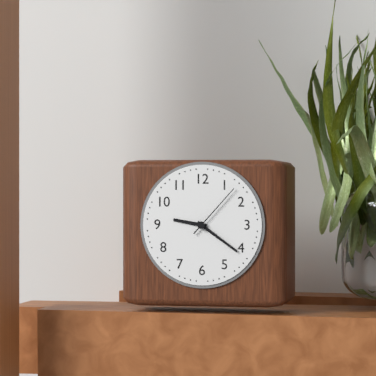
**9:21:07**
